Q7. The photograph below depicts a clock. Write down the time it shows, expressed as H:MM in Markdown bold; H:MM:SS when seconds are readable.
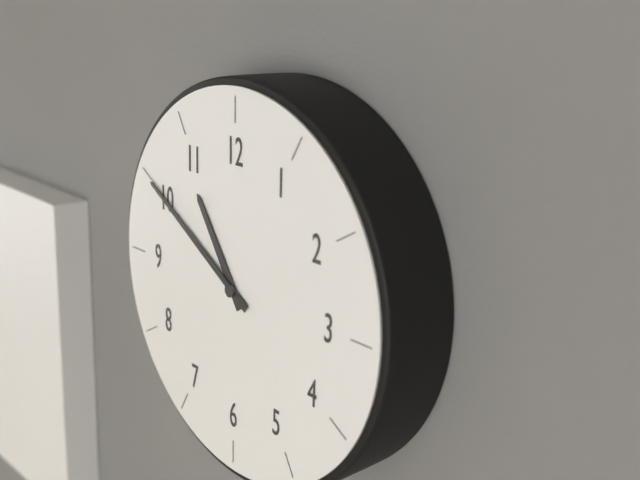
**10:50**
